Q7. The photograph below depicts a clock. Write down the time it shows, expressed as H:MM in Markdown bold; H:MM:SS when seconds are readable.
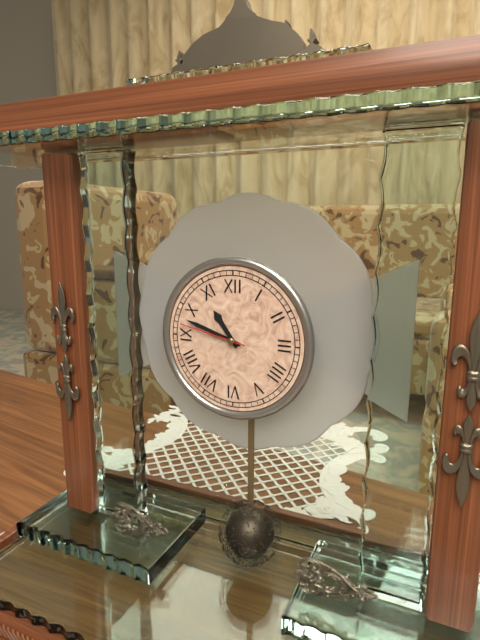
**10:48:47**
